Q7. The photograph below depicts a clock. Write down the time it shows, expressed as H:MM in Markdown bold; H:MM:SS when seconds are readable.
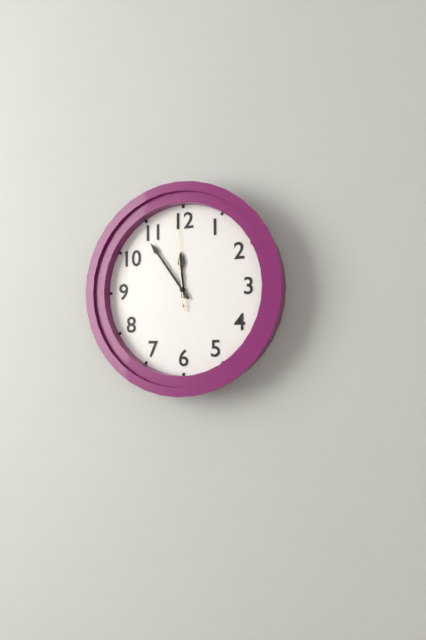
**11:54:59**
